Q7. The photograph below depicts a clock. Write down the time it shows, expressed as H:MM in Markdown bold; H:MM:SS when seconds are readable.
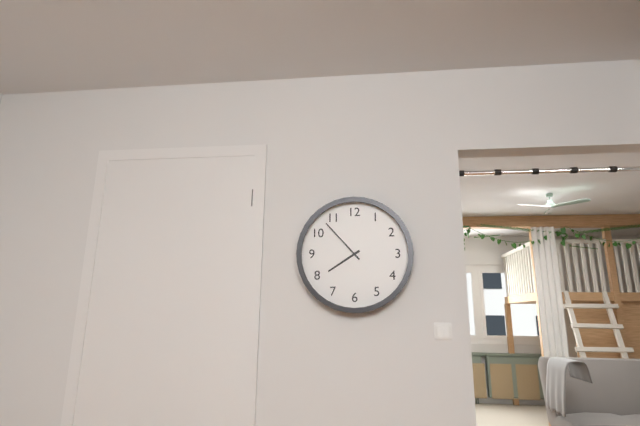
**7:53**
